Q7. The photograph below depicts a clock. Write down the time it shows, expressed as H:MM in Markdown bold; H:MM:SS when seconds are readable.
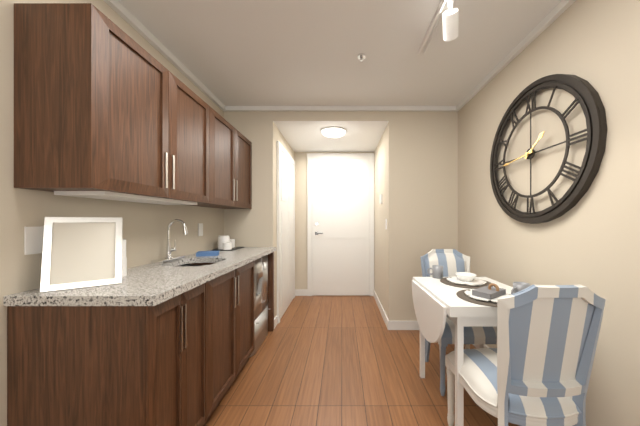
**1:44**
